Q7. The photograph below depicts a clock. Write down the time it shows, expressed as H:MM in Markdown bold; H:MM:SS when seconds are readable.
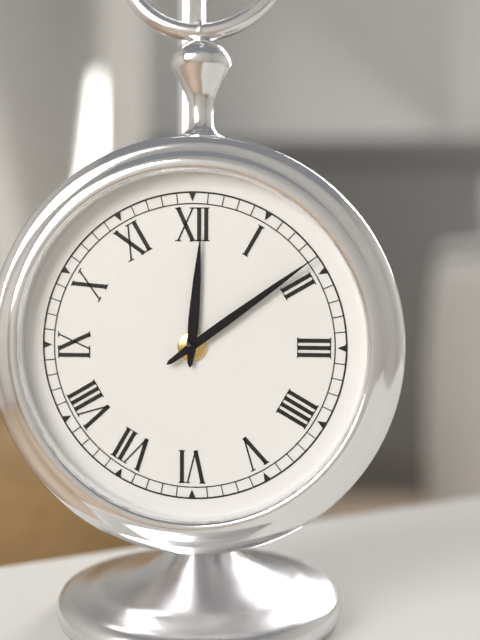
**12:09**
